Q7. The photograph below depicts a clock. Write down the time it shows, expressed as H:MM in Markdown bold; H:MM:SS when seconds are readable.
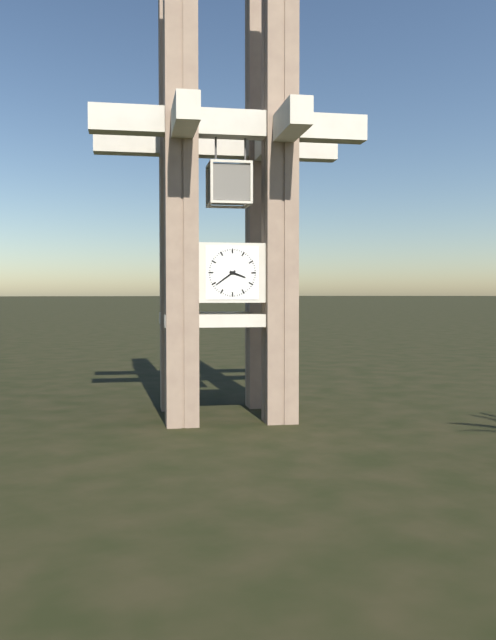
**3:39**
